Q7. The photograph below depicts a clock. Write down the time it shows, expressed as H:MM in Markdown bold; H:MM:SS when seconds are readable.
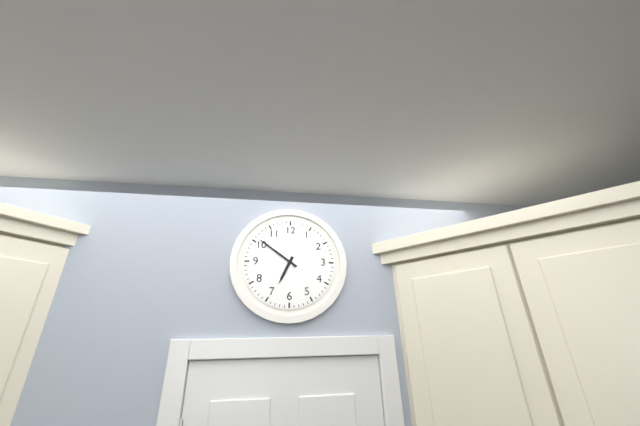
**6:51**
